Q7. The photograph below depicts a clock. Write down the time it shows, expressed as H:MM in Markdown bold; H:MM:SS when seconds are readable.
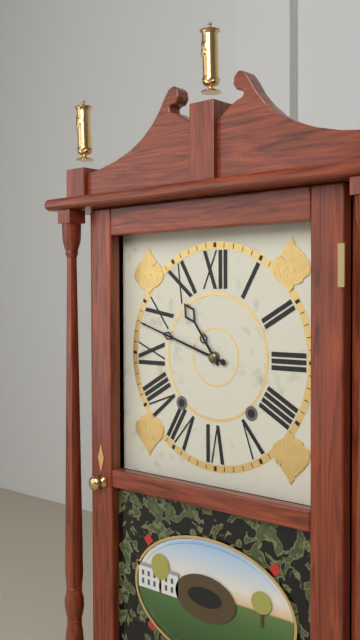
**10:48**
